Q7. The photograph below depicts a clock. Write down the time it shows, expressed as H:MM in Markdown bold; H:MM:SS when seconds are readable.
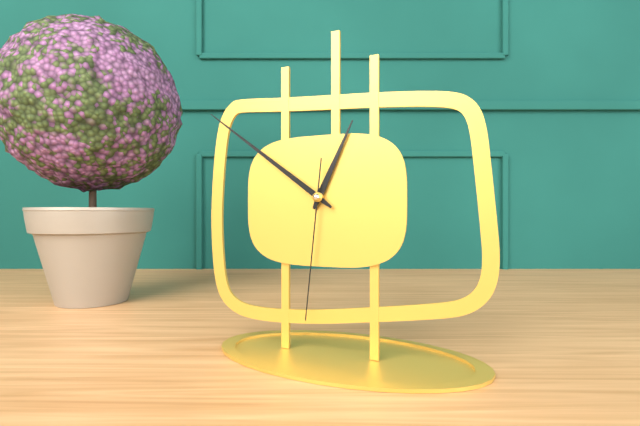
**12:51:31**
